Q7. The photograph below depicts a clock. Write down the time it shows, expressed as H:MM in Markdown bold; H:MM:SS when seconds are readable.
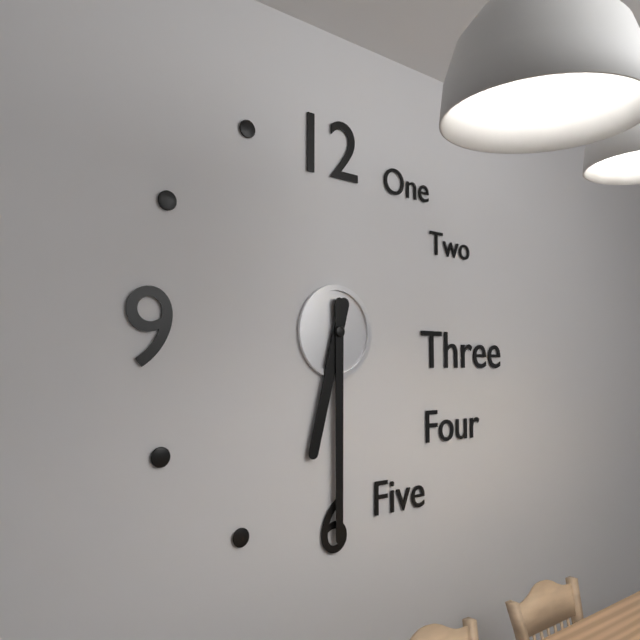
**6:30**
